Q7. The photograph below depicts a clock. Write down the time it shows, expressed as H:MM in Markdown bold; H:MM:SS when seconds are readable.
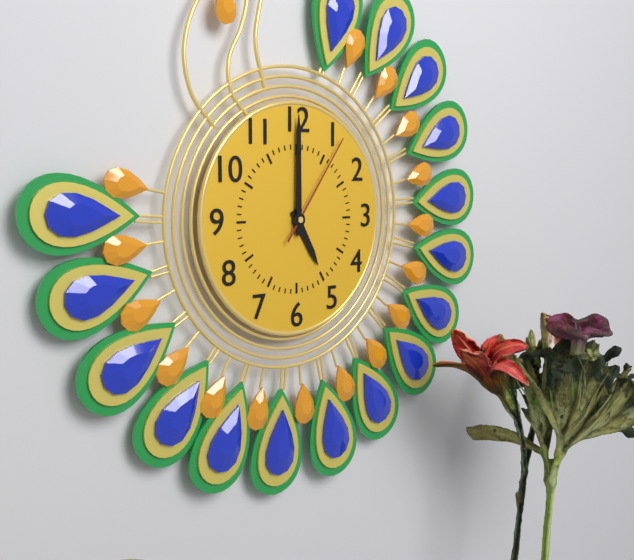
**5:00:06**
